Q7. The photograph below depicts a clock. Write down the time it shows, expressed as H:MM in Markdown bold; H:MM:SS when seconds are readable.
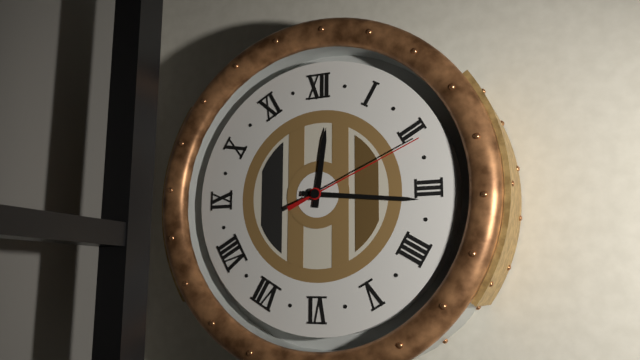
**12:16:11**
